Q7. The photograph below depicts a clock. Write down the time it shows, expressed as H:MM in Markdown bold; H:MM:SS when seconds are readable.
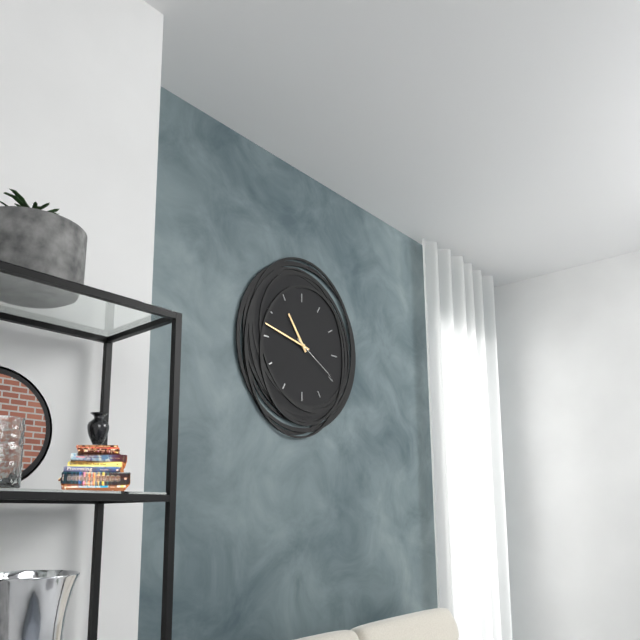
**10:47:20**
